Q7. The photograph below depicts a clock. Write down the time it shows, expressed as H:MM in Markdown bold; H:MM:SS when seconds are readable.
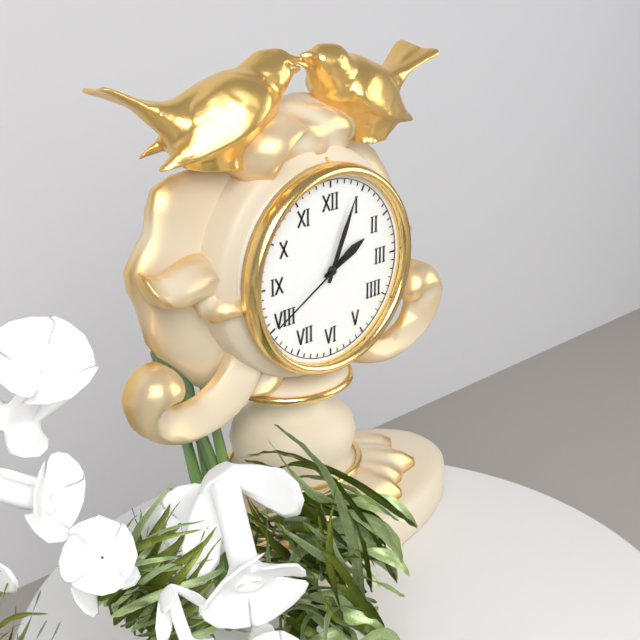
**2:04:40**
